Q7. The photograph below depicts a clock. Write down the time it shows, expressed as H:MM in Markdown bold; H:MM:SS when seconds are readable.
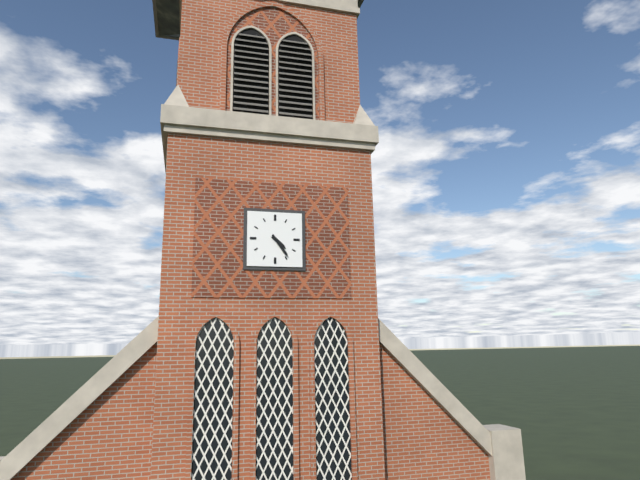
**4:24**
